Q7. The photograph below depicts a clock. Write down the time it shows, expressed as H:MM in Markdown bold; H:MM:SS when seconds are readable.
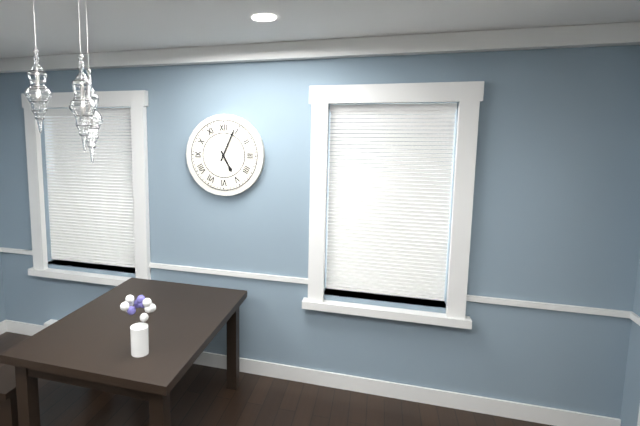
**5:04**
